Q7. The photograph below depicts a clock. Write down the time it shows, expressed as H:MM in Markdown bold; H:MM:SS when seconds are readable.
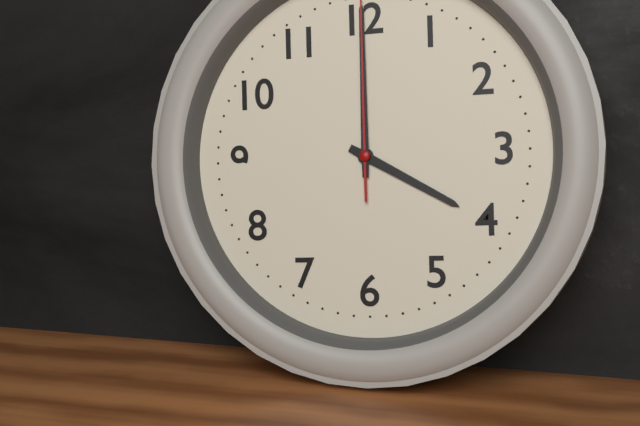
**4:00**
